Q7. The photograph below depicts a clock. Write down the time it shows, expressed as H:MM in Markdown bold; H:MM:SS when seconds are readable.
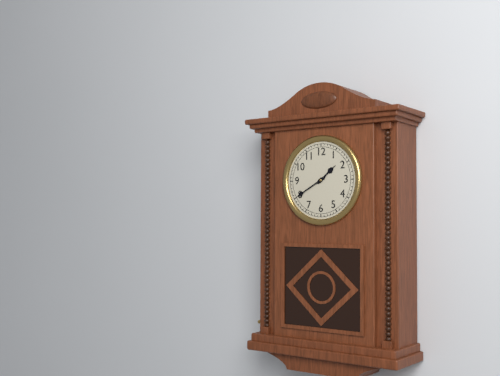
**1:40**
